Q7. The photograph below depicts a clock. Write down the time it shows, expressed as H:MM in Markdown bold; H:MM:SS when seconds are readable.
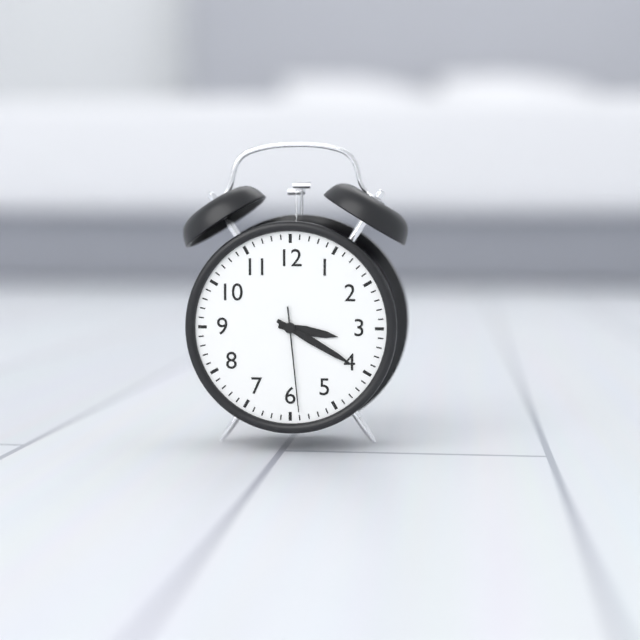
**3:20:29**
